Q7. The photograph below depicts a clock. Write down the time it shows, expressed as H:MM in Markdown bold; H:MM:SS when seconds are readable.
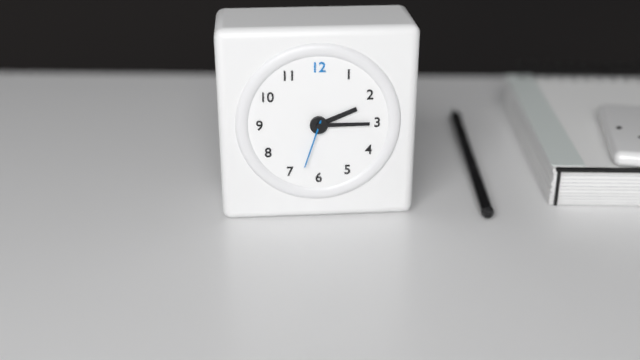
**2:15:33**
